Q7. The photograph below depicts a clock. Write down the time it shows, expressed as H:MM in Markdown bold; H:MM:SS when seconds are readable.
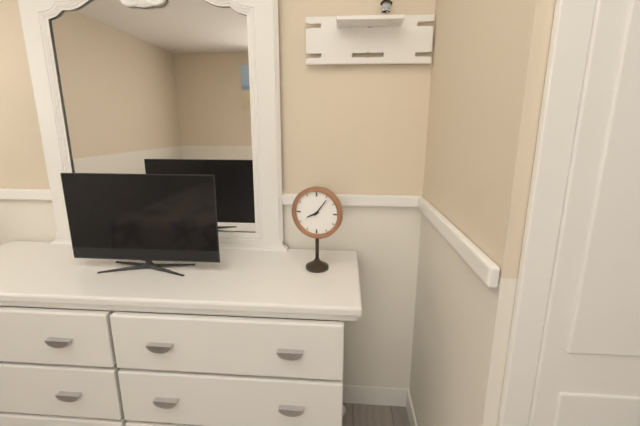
**8:06**
